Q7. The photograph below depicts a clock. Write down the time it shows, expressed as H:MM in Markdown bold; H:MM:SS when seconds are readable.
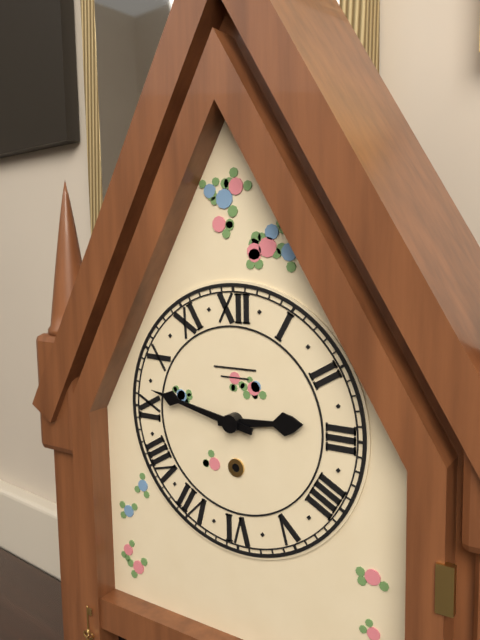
**2:47**
